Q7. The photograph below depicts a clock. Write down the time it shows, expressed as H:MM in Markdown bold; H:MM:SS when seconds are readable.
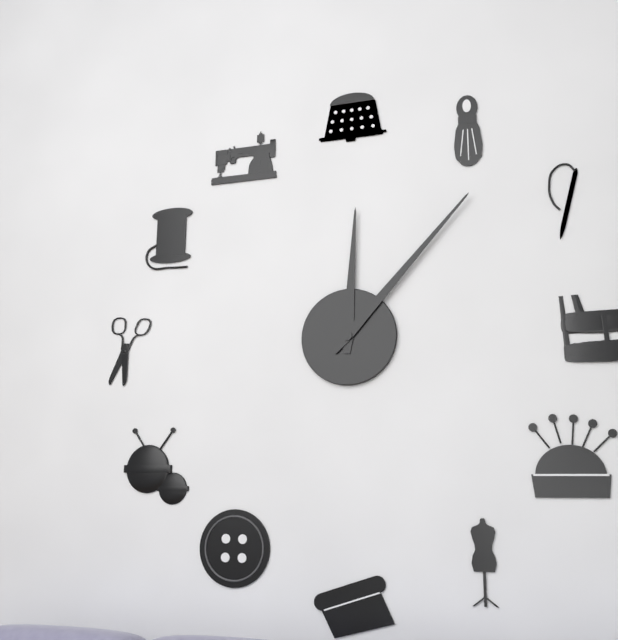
**12:07**
